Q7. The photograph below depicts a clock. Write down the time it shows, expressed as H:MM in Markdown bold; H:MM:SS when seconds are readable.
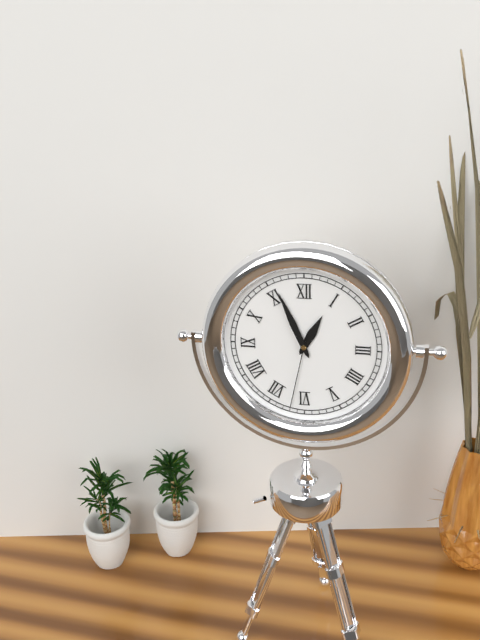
**12:56:32**
